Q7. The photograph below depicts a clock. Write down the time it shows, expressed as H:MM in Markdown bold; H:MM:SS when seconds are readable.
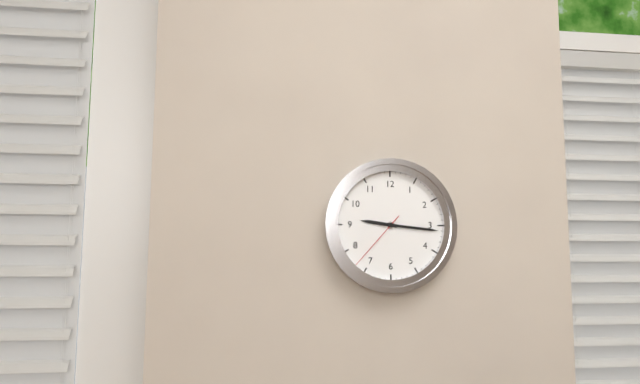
**9:16:37**
